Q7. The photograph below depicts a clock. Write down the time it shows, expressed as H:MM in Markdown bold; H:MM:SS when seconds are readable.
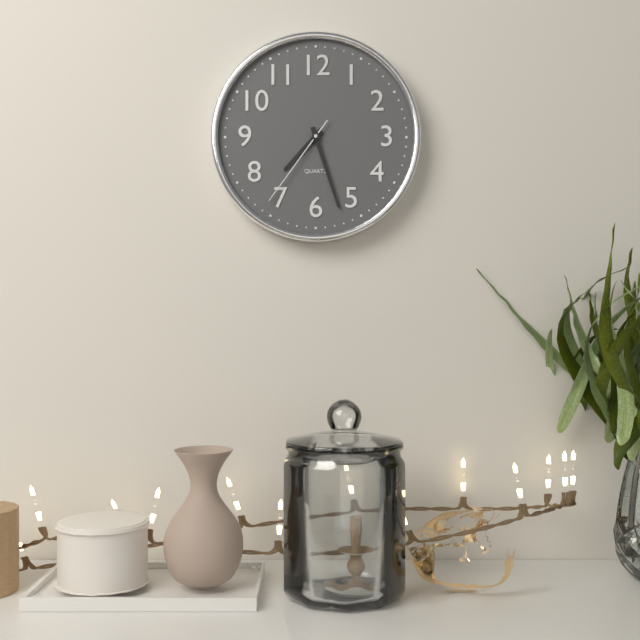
**7:27:36**
